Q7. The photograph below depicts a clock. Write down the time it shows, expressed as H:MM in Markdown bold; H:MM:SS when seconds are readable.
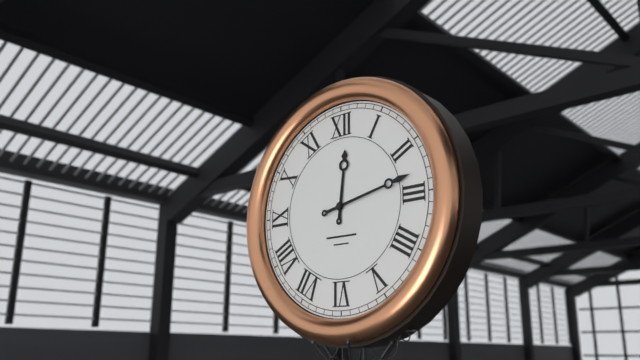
**12:13**
